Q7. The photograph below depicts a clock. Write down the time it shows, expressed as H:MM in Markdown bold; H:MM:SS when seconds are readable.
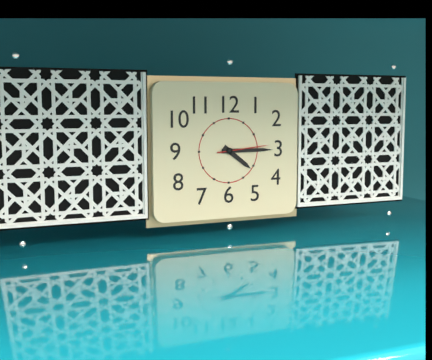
**4:15:14**
